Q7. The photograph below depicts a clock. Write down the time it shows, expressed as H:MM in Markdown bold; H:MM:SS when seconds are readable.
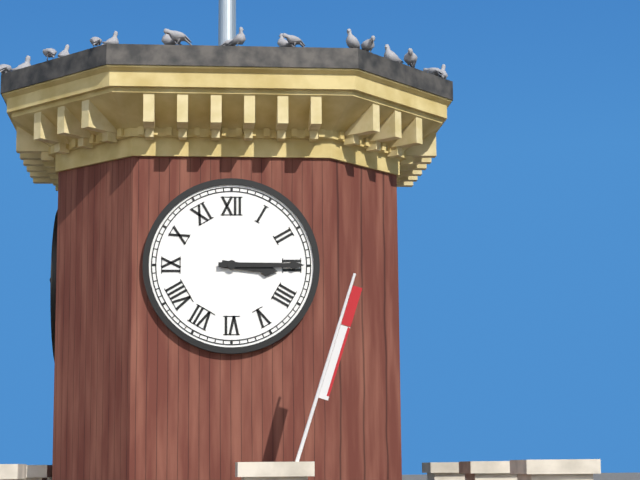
**3:15**
